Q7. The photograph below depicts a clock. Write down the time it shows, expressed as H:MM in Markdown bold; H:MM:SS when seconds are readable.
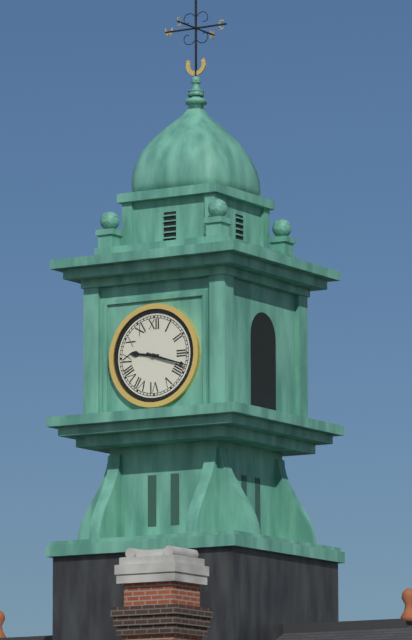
**9:18**
